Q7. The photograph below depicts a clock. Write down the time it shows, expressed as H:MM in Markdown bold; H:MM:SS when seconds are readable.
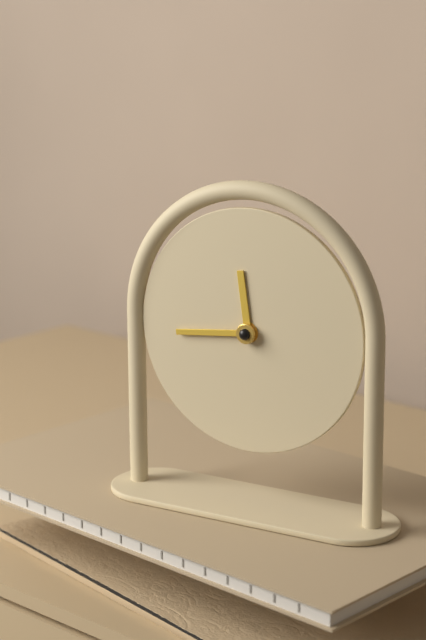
**11:44**
